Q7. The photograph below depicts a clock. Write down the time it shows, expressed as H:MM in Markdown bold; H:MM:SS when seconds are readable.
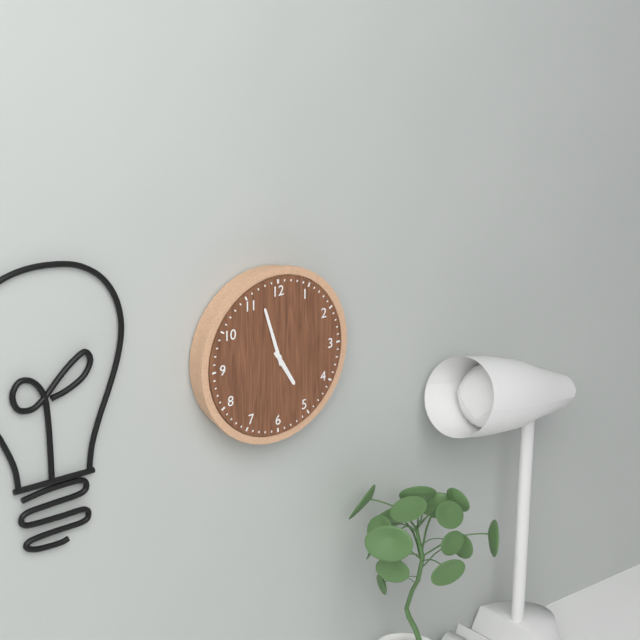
**4:57**
